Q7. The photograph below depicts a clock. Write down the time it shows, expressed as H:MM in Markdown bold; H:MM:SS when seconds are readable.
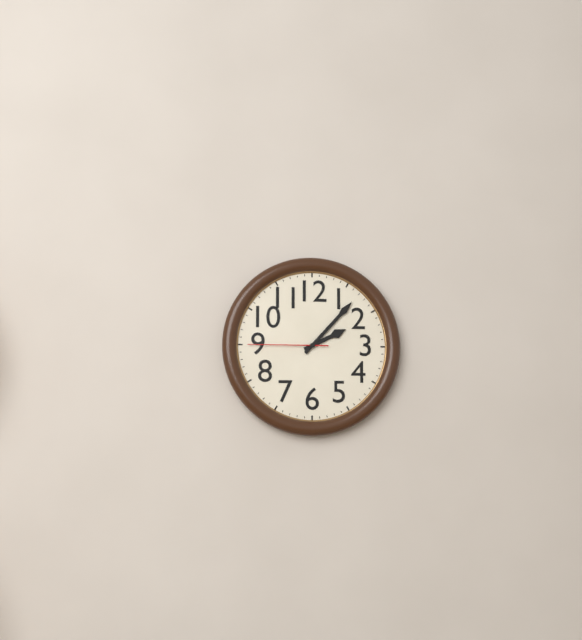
**2:07:45**
